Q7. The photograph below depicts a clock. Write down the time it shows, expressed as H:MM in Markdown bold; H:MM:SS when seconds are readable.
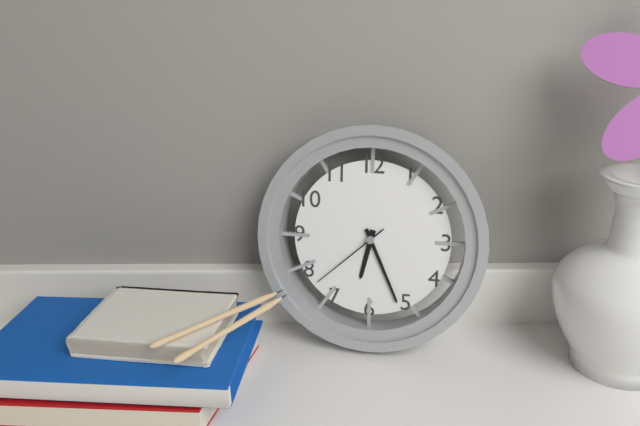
**6:26:38**
